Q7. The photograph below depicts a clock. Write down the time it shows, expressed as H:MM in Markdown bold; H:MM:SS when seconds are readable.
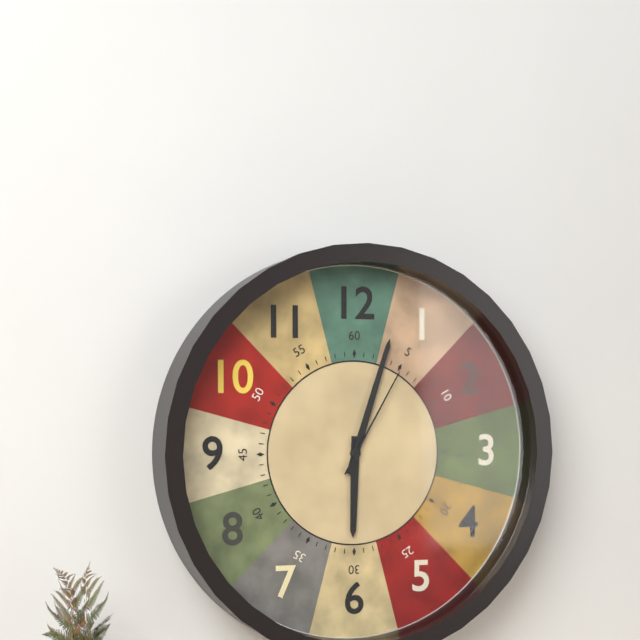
**6:03:05**
